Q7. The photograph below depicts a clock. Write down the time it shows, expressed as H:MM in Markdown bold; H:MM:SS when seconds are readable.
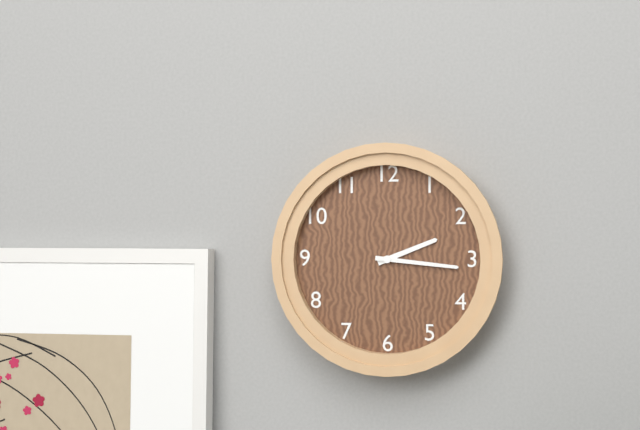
**2:16**
